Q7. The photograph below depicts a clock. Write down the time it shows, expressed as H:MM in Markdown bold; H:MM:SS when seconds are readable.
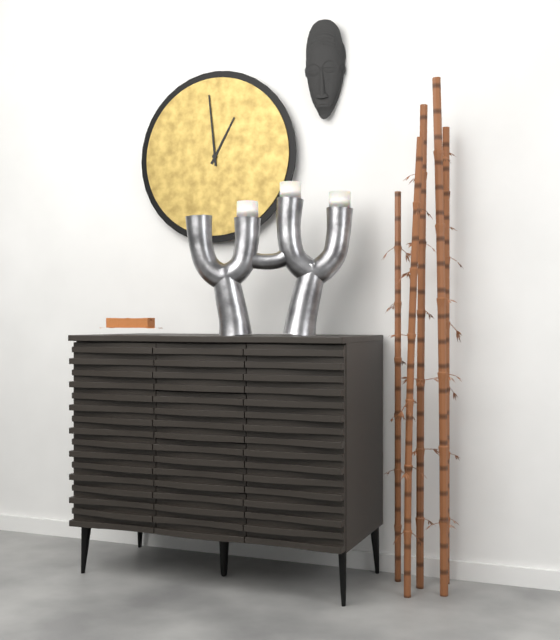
**12:59**
